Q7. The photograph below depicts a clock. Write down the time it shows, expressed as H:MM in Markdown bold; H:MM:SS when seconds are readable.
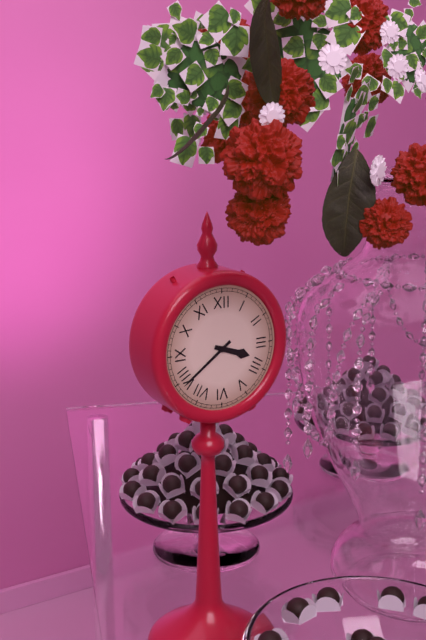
**3:39**
